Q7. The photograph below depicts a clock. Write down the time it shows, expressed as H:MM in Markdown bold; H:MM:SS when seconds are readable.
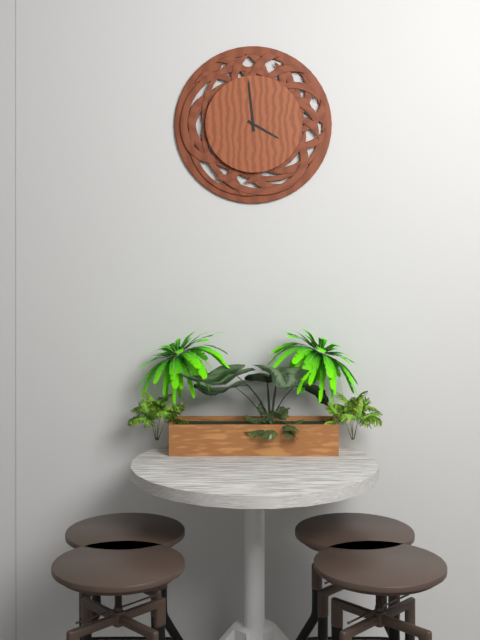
**3:59**
